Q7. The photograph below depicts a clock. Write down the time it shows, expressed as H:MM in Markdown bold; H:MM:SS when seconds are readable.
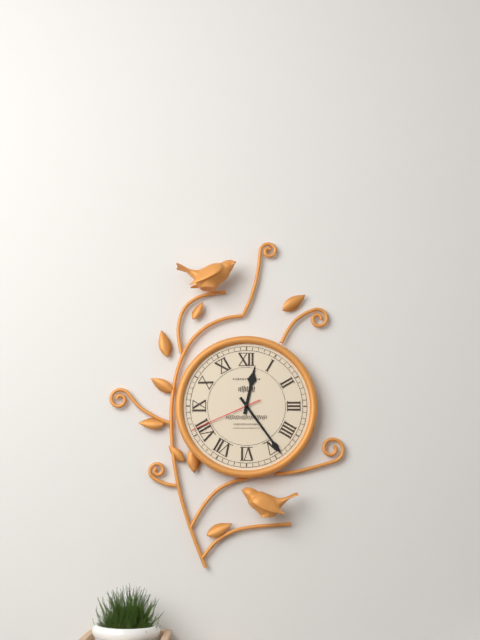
**12:24:41**
